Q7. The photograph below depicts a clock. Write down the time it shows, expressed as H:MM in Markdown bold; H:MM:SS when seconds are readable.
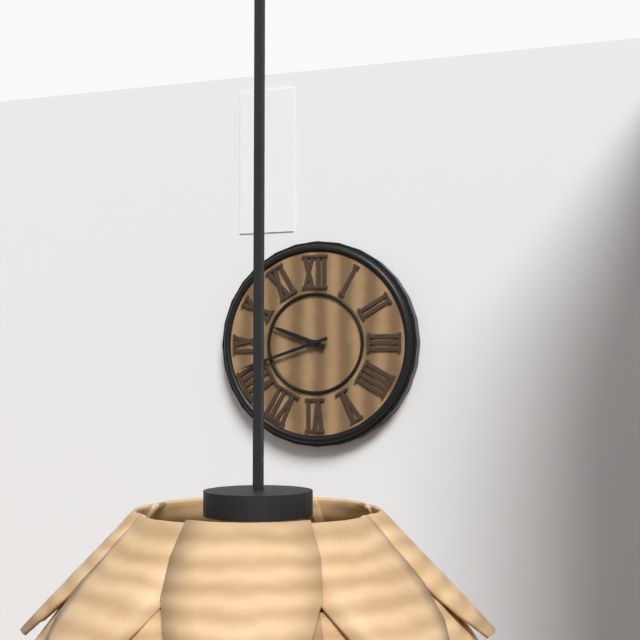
**9:42**
